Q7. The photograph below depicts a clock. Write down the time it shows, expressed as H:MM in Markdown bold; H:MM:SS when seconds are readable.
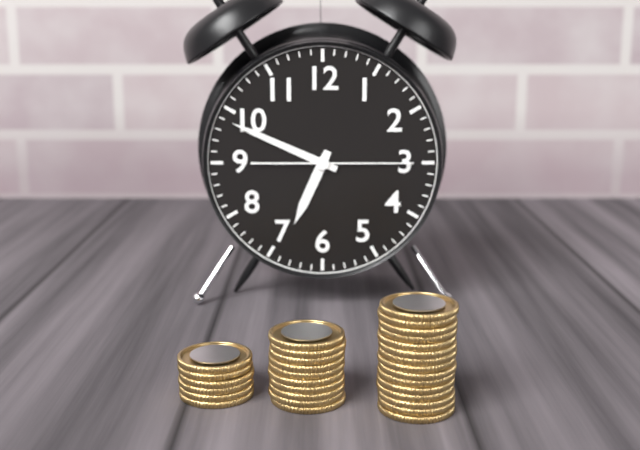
**6:49:15**
